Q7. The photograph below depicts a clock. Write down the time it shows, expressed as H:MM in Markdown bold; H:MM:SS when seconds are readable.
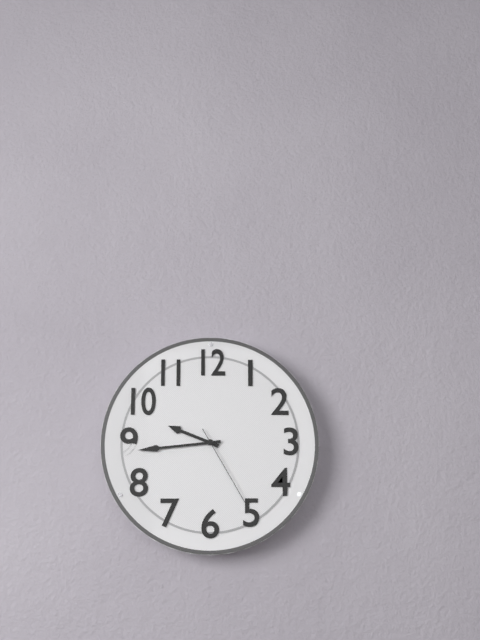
**9:44:25**
